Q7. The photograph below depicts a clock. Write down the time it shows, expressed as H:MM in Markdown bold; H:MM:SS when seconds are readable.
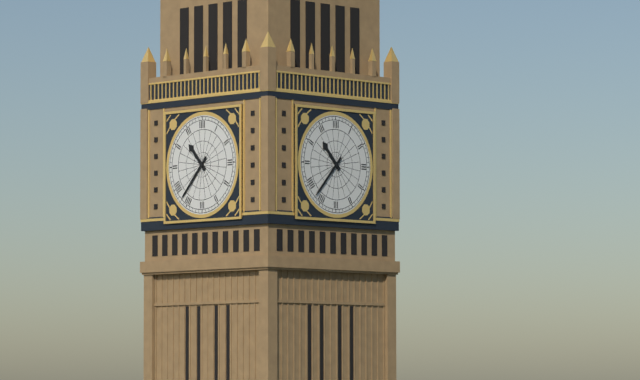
**10:37**
